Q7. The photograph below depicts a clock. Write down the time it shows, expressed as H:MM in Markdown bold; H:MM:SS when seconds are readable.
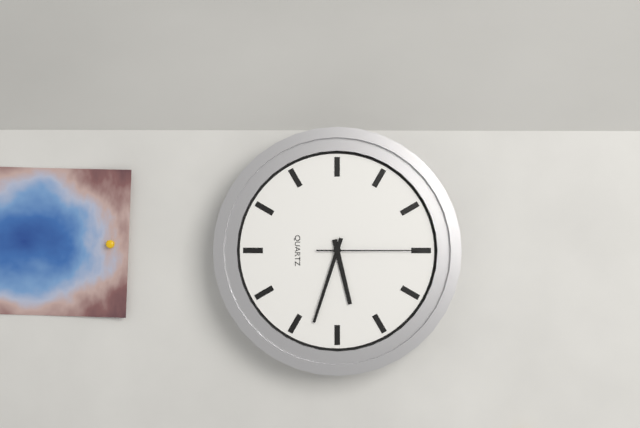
**5:33:15**
